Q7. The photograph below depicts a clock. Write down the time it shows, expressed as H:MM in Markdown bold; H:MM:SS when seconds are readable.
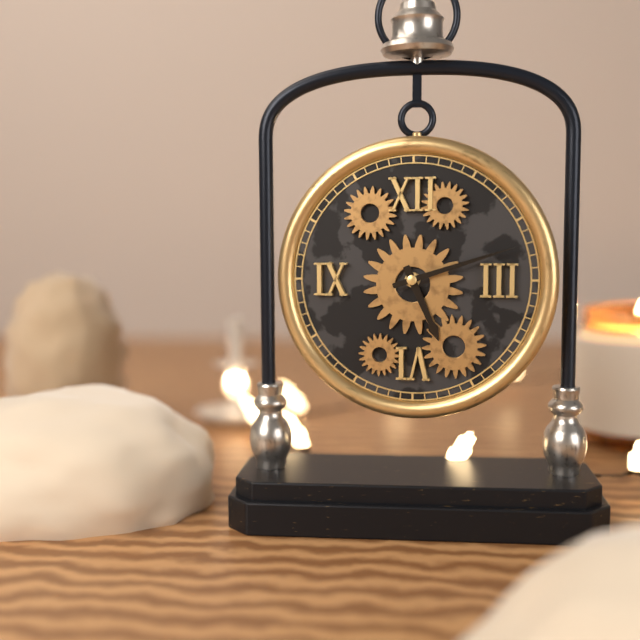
**5:12**
